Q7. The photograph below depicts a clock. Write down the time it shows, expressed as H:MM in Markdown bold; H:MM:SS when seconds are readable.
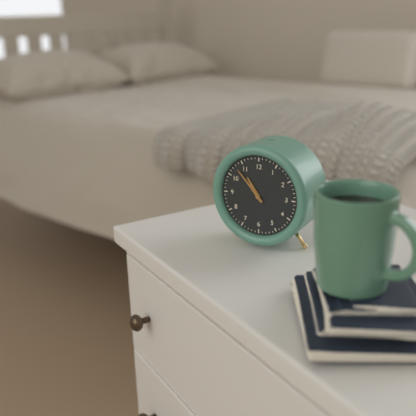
**10:53**
